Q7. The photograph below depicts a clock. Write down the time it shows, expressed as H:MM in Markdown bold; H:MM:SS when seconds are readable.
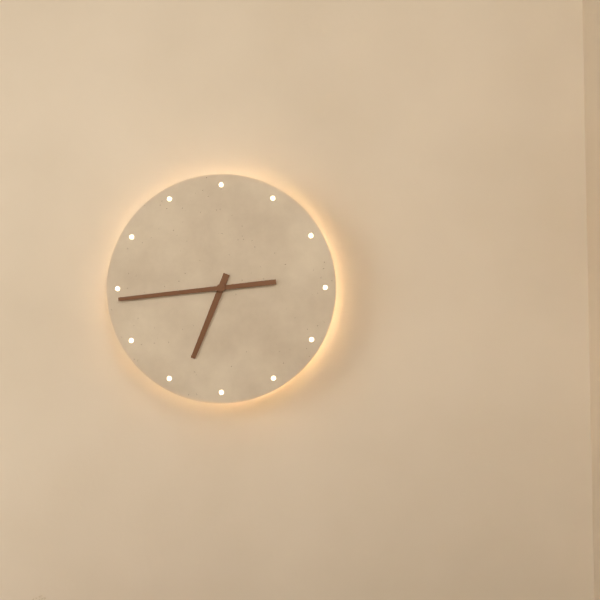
**6:44**
